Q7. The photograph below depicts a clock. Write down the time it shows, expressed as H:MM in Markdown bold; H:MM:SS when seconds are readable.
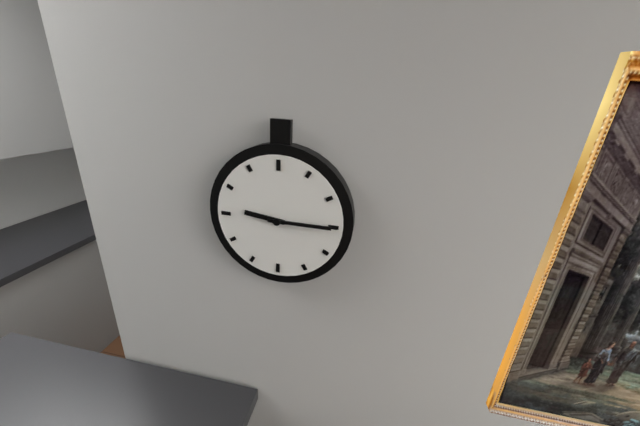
**9:15**
